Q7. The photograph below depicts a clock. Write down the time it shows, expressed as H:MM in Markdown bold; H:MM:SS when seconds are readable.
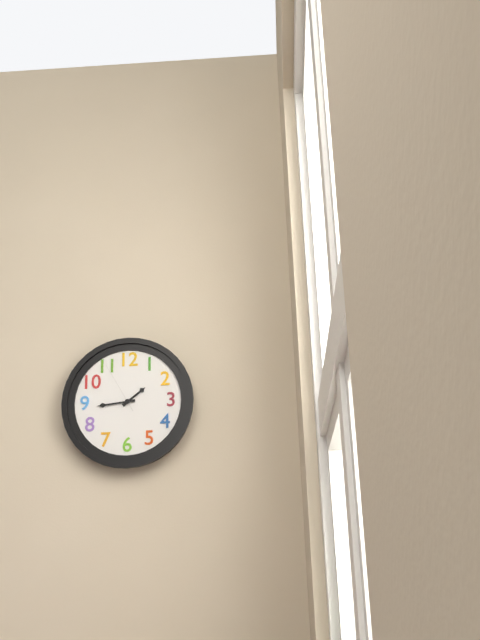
**1:44:55**
